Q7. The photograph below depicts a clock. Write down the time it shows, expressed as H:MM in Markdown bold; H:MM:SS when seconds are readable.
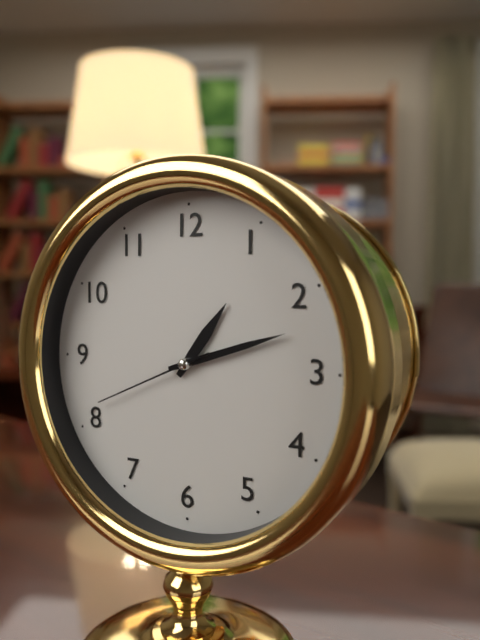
**1:12:41**
